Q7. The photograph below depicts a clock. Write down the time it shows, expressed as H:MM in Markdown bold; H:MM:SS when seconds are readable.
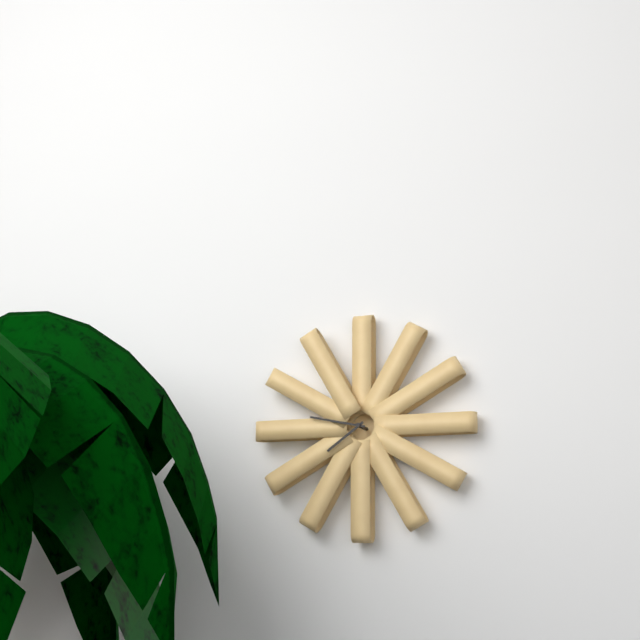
**7:47**
